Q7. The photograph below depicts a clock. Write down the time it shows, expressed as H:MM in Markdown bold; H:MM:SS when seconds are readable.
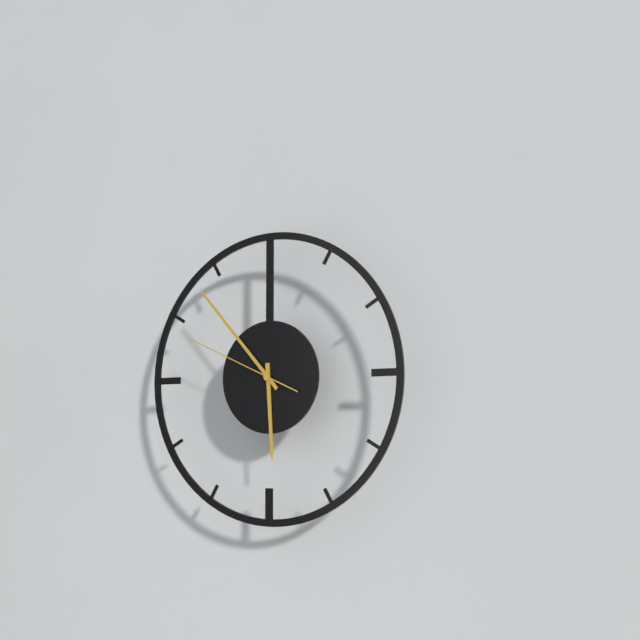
**5:53:49**
